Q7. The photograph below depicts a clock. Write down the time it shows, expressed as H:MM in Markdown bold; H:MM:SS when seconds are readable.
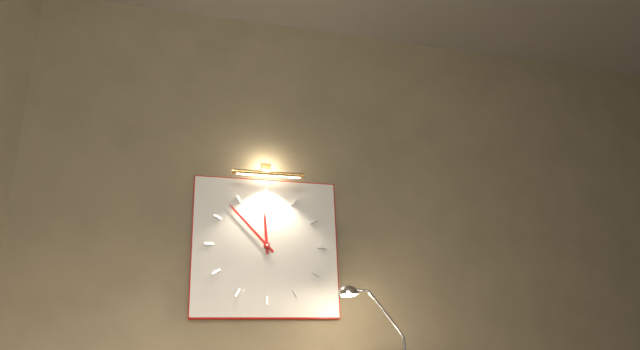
**11:53**
